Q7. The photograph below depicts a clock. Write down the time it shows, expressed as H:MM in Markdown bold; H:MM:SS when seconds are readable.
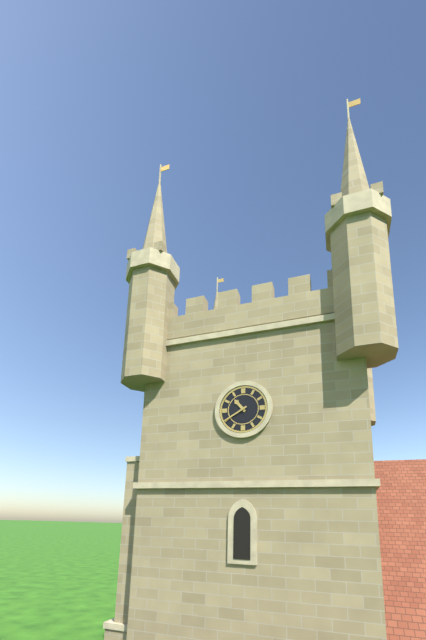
**10:40**
